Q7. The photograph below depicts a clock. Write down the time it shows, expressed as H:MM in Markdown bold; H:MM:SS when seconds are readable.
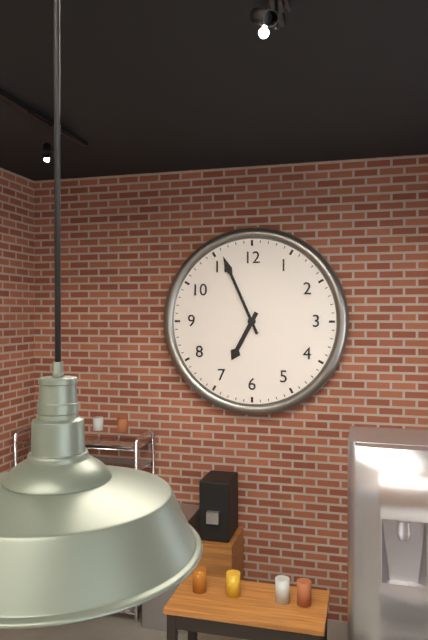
**6:56**
